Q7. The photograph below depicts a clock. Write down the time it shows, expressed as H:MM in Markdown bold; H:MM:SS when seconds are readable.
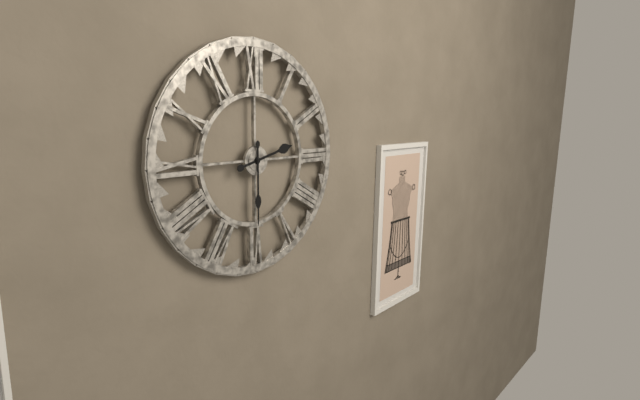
**2:30**
